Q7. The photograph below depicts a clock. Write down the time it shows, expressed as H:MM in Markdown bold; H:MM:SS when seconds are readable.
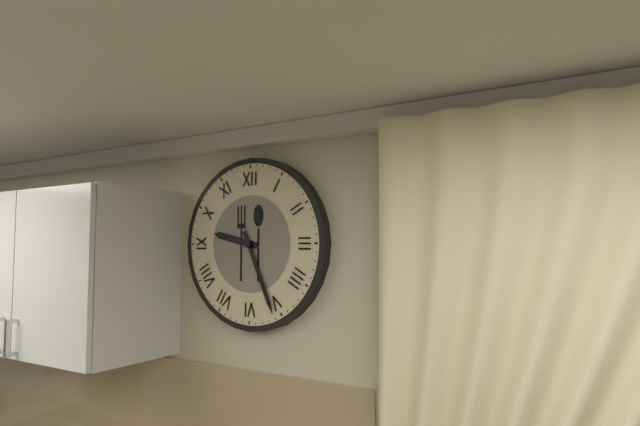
**9:26**
